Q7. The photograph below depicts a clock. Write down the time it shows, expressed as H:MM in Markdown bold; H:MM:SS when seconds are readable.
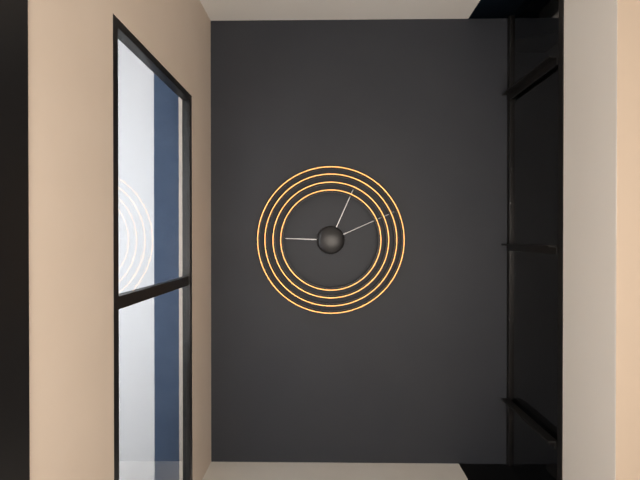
**9:04:11**
